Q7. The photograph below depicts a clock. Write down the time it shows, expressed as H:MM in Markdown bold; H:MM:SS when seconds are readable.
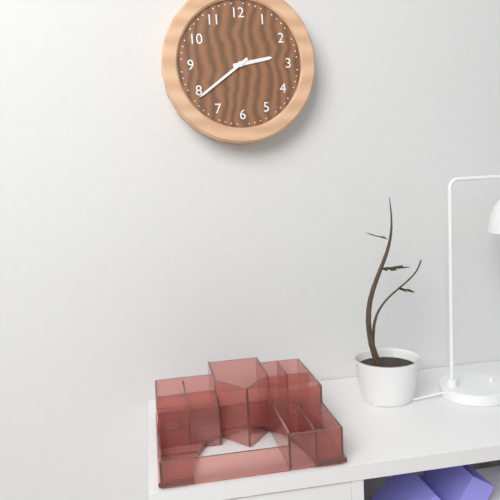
**2:39**
